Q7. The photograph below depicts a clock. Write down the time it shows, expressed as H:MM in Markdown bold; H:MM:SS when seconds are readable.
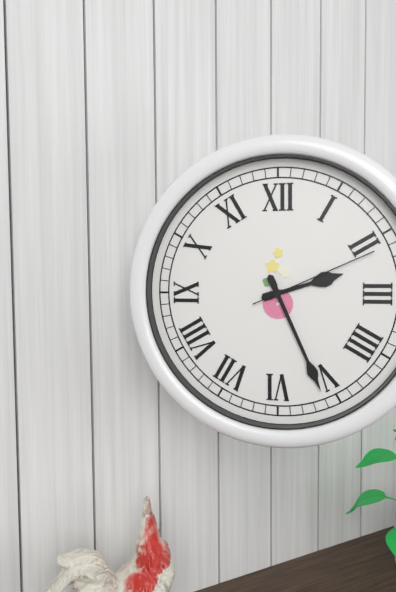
**2:26:11**
